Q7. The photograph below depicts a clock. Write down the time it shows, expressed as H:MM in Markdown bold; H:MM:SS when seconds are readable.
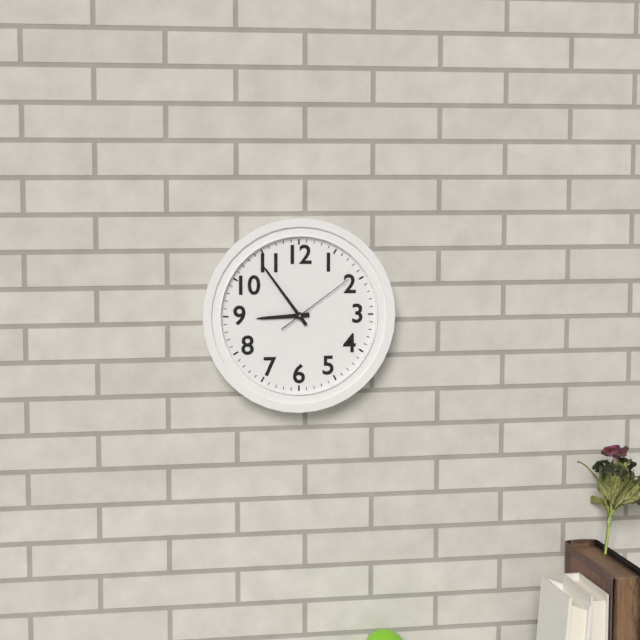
**8:54:09**
